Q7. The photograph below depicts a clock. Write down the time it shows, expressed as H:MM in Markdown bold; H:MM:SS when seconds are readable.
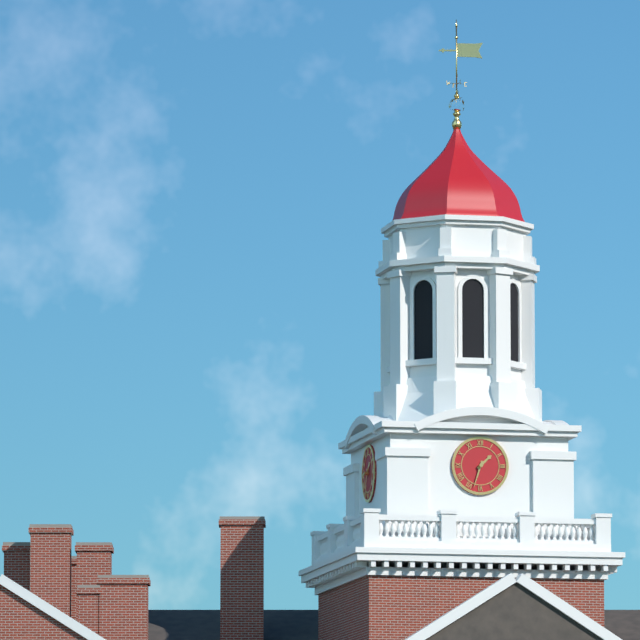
**1:33**
